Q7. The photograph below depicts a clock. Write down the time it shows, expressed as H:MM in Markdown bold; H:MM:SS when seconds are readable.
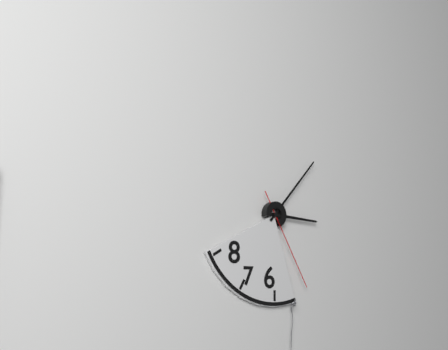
**3:07:25**
